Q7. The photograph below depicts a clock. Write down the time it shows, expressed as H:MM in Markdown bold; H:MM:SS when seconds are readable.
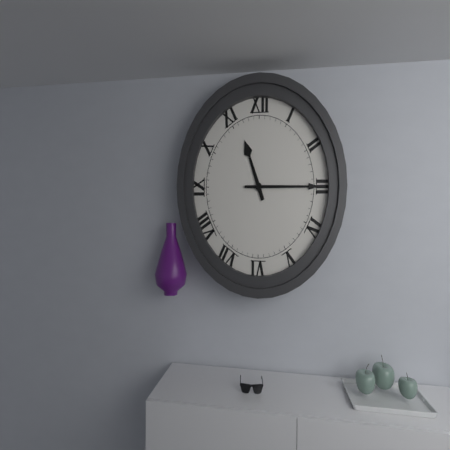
**11:15**
